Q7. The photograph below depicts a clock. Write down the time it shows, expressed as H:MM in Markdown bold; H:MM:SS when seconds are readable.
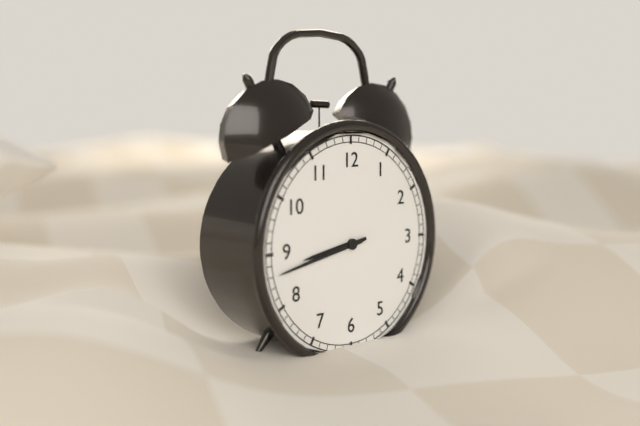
**8:43**
